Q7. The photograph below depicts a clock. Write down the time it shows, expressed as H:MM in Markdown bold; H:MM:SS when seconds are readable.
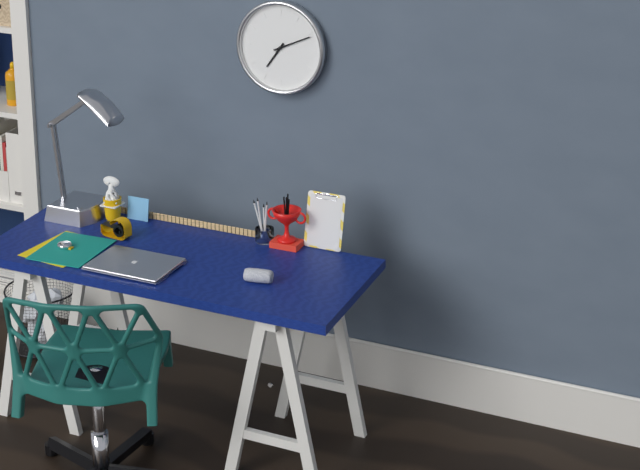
**7:11**
